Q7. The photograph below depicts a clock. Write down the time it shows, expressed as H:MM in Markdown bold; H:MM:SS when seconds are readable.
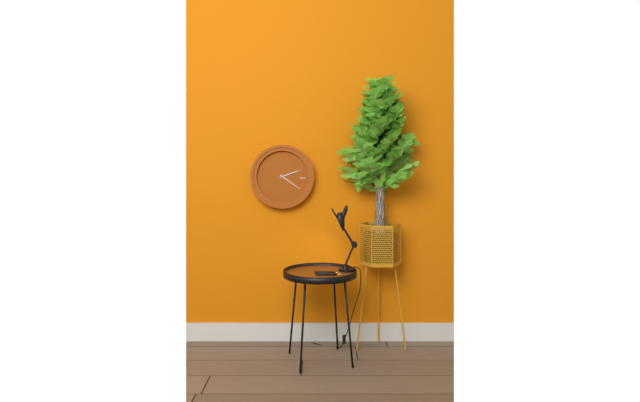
**2:21**
